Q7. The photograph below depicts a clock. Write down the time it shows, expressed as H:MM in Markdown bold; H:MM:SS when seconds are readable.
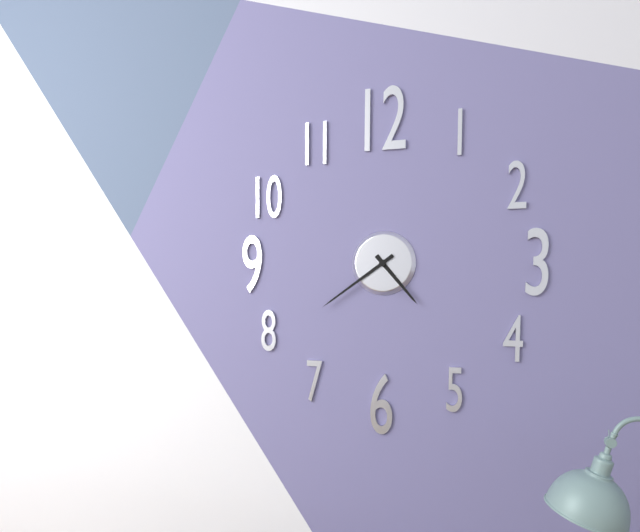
**4:39**
